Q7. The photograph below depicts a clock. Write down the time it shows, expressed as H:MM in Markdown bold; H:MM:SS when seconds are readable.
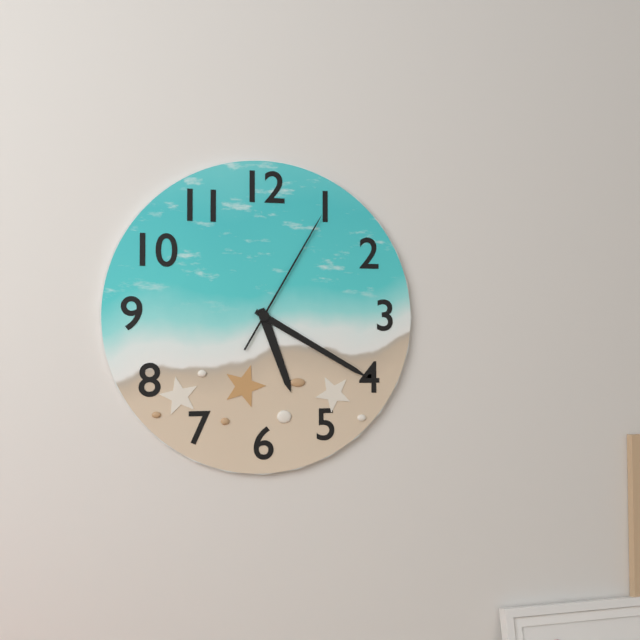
**5:20:05**
